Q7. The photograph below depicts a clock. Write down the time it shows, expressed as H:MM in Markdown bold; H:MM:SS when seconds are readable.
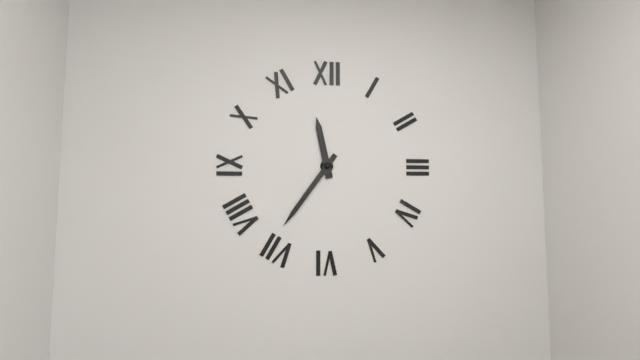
**11:36**
